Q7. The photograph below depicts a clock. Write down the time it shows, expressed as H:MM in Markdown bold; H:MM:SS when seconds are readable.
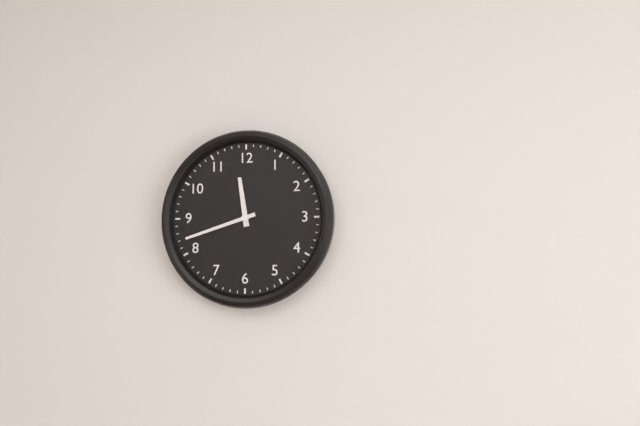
**11:42**
